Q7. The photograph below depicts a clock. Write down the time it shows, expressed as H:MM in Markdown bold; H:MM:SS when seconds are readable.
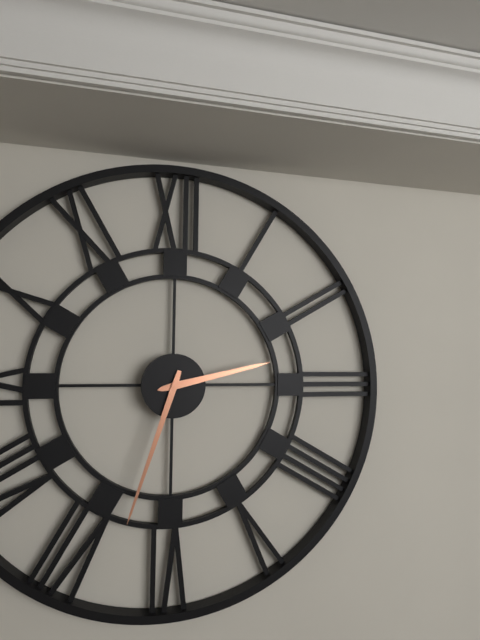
**2:33**
